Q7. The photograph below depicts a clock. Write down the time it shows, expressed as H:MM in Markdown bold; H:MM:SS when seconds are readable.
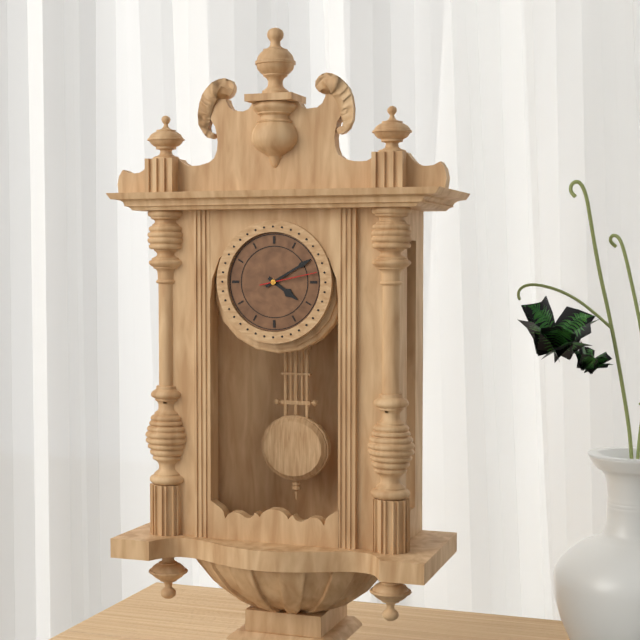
**4:10:13**
